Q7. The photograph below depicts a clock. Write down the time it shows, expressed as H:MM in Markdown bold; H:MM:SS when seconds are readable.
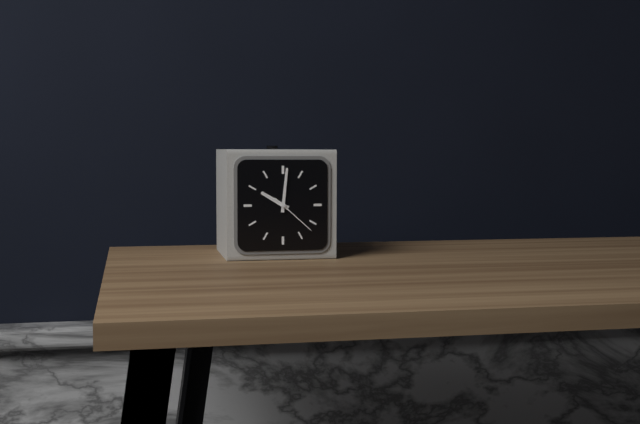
**10:01**
